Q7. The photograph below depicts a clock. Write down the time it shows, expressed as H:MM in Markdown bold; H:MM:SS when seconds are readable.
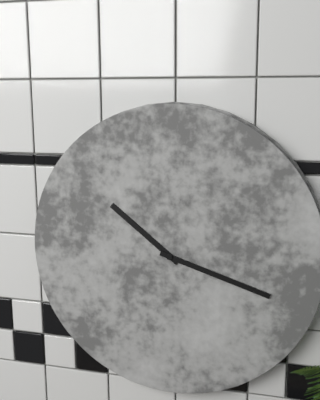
**10:18**
